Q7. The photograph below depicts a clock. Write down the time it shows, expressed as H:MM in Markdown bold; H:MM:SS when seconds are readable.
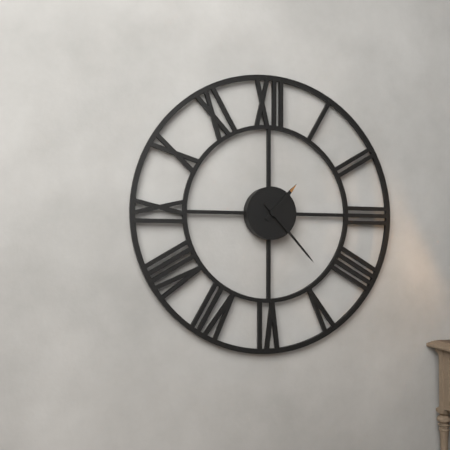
**1:23**
